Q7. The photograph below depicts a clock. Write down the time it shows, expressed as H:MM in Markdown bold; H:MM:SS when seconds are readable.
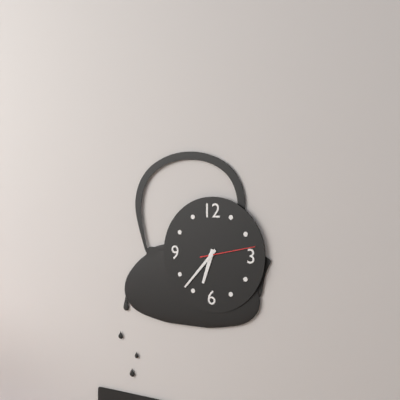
**6:37:13**
